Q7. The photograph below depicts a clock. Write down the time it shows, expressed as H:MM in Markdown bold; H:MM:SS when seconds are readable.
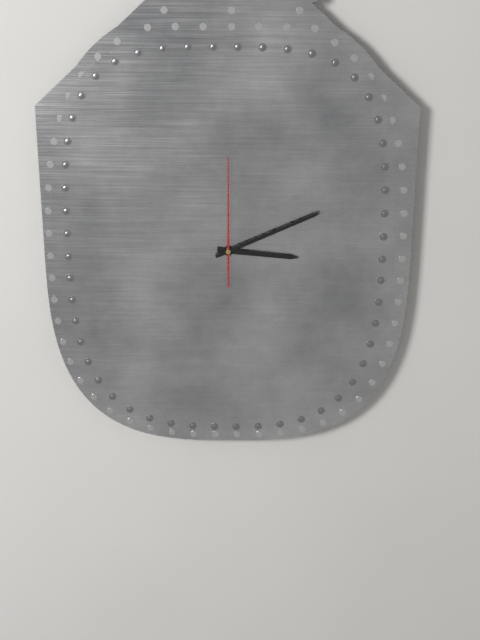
**3:11:00**
